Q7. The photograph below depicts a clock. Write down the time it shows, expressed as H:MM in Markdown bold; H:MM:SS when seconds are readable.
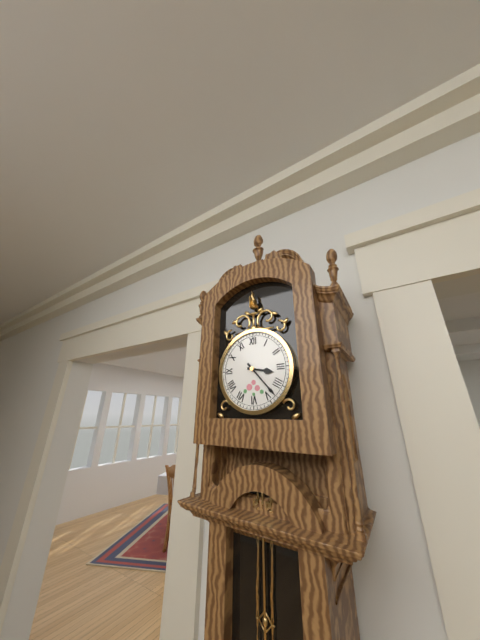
**3:23**
